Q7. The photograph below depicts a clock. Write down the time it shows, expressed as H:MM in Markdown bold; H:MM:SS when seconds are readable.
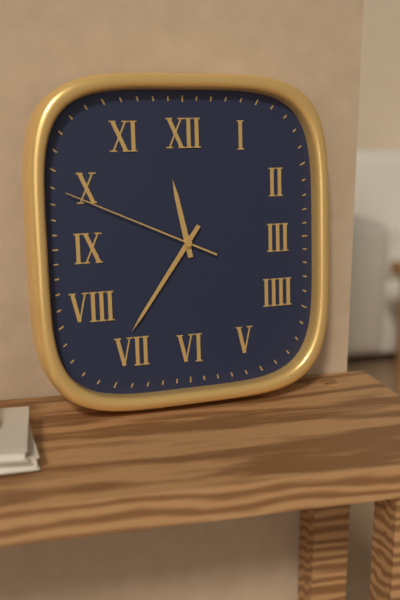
**11:36:49**
